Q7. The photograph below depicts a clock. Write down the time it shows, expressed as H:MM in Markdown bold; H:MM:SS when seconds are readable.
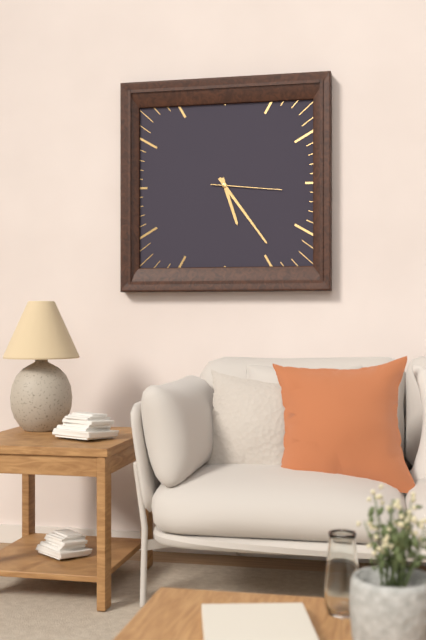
**5:24:16**
